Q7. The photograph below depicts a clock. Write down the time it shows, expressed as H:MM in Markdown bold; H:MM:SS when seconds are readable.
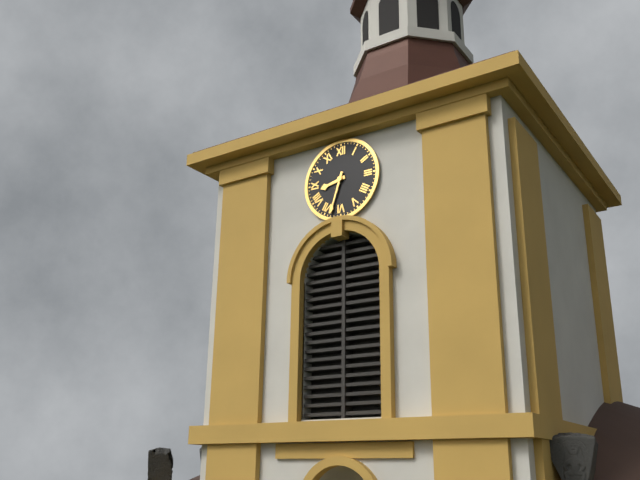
**8:33**
